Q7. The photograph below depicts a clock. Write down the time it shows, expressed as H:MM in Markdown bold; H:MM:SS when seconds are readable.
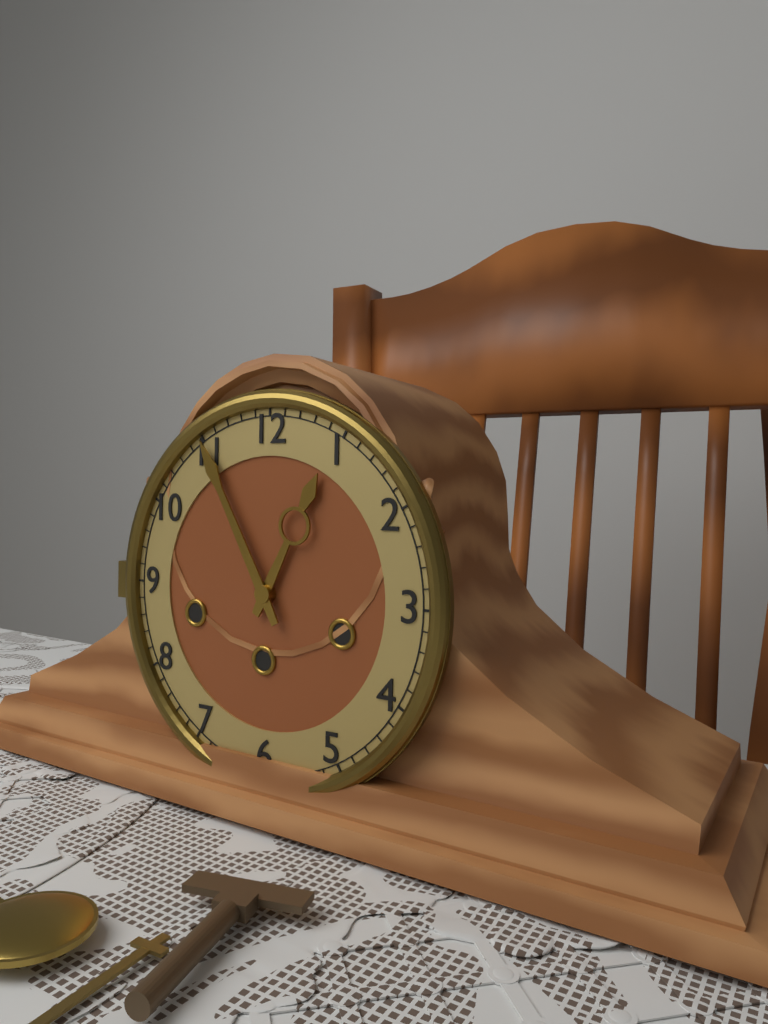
**12:55**
